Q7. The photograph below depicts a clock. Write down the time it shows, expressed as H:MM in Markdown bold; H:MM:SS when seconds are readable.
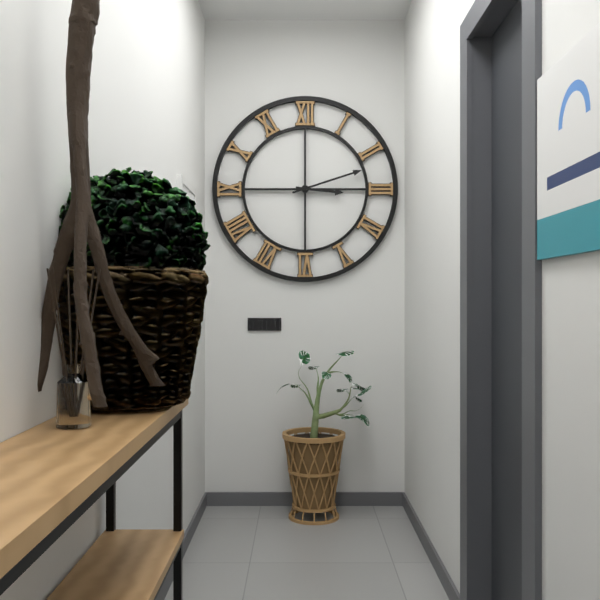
**3:12**
